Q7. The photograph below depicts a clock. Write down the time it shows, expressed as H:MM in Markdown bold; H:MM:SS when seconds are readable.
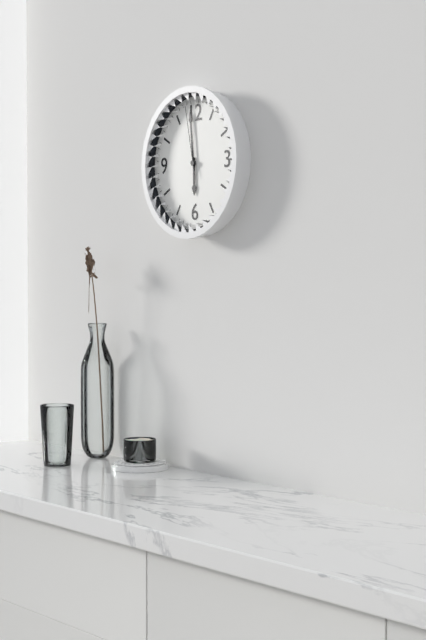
**5:59:58**
